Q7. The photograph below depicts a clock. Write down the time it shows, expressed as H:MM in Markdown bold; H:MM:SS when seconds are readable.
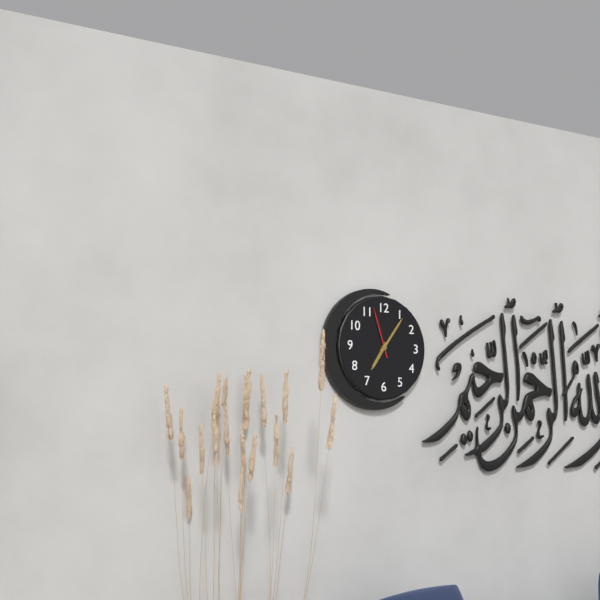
**7:06:57**
